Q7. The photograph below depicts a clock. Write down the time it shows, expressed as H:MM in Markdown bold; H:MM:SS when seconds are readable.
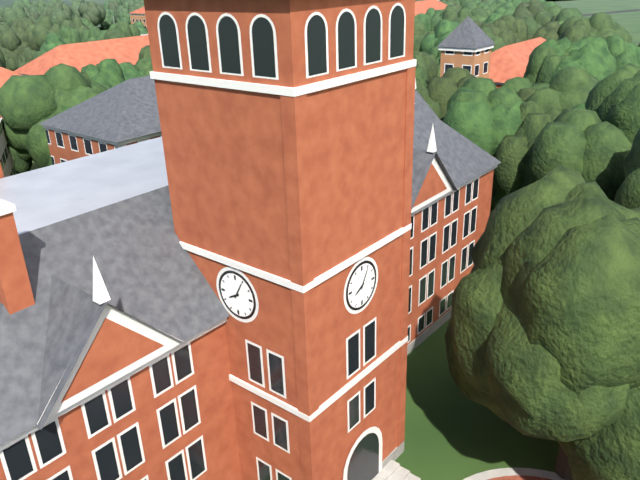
**8:05**
